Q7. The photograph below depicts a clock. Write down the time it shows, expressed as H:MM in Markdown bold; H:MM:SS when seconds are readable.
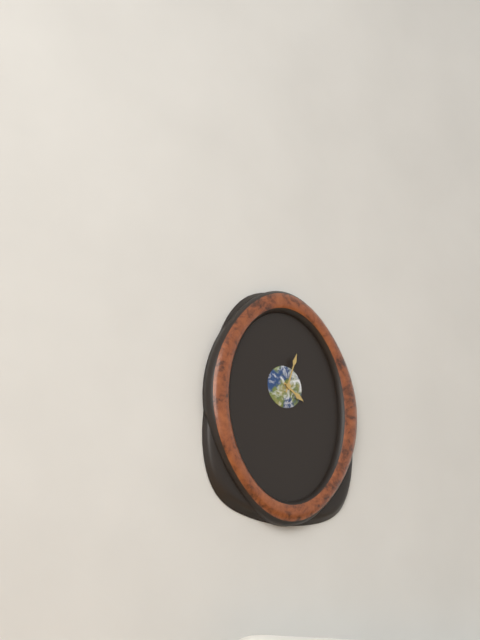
**4:03**
